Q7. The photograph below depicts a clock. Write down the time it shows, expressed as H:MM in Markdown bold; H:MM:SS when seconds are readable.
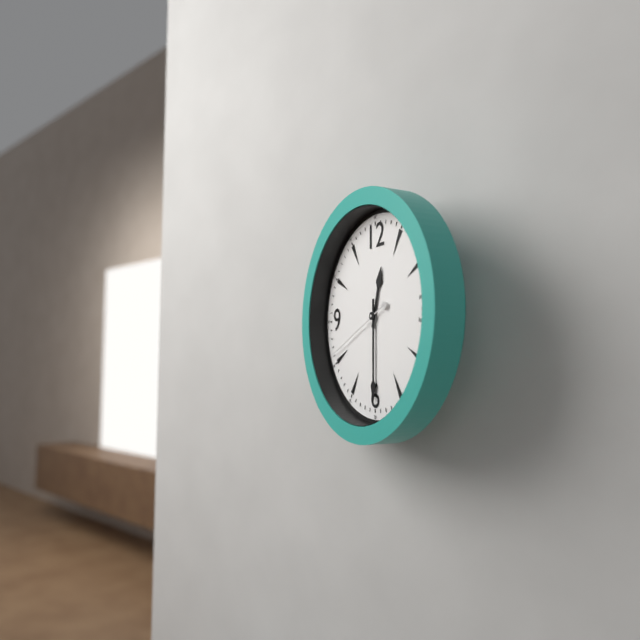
**12:30:41**
